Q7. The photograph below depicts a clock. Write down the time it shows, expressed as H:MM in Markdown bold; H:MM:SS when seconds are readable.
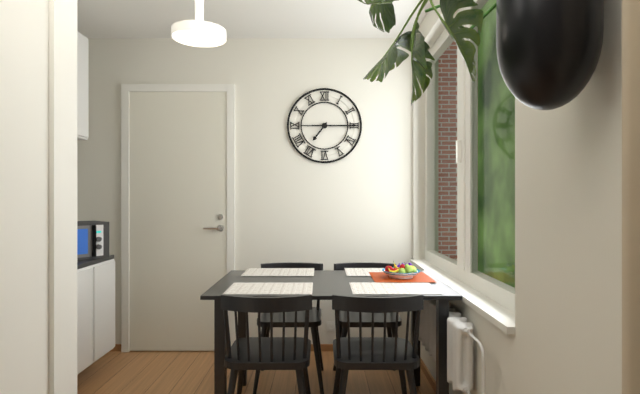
**7:15**
